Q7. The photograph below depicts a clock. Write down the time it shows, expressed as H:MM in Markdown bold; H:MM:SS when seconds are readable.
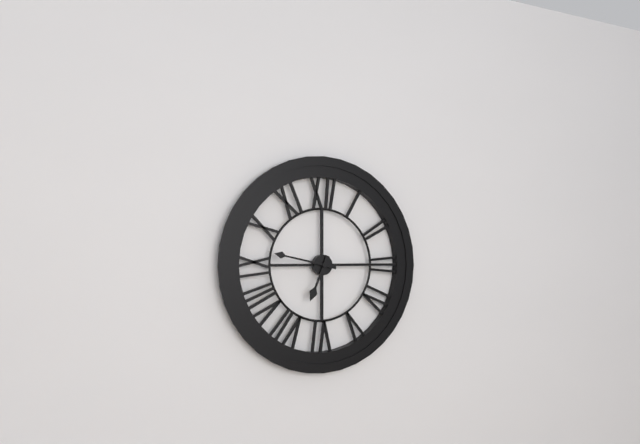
**6:47**
